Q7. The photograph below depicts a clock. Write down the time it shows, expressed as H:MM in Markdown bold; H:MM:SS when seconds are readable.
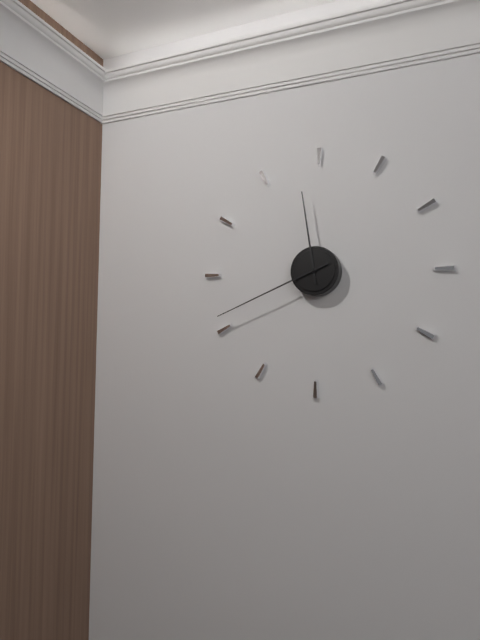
**11:41**
